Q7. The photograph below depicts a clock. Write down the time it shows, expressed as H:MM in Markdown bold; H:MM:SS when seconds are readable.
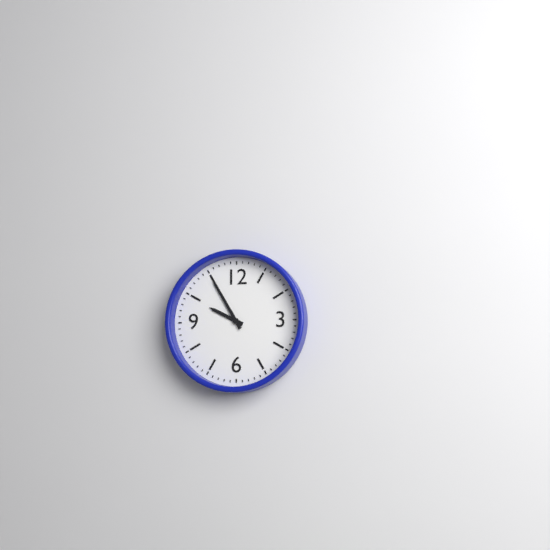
**9:55**
